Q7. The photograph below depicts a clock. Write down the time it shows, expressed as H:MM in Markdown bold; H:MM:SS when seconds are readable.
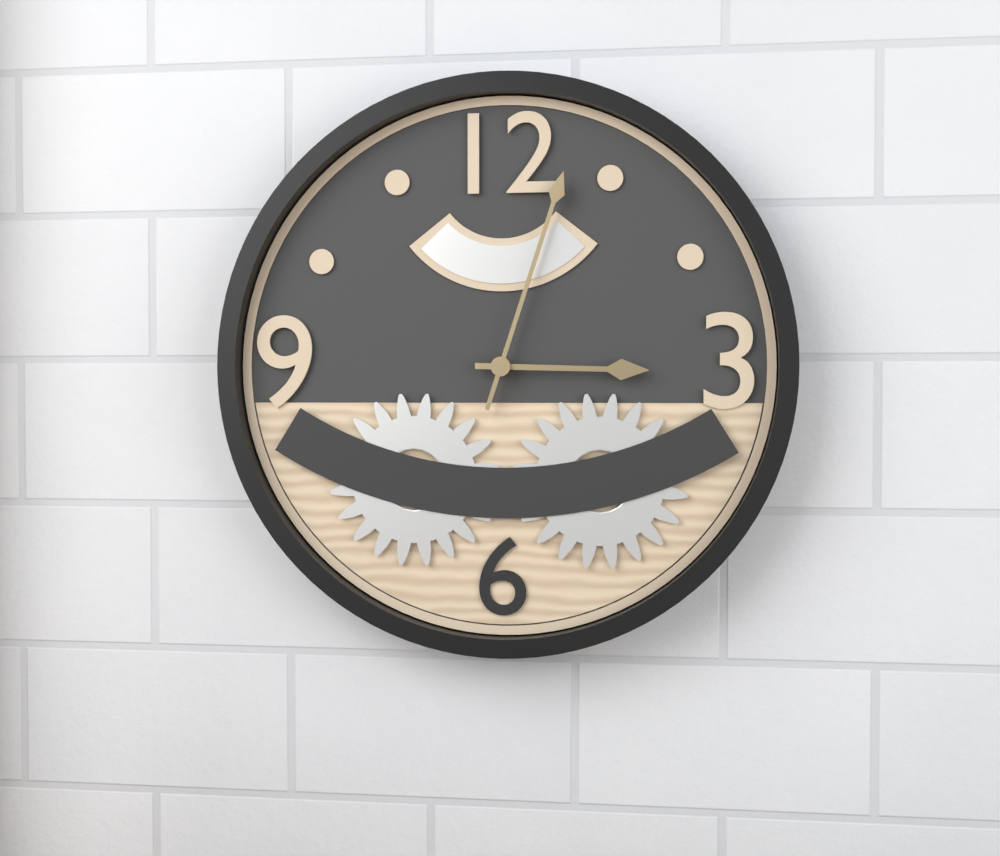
**3:03**
